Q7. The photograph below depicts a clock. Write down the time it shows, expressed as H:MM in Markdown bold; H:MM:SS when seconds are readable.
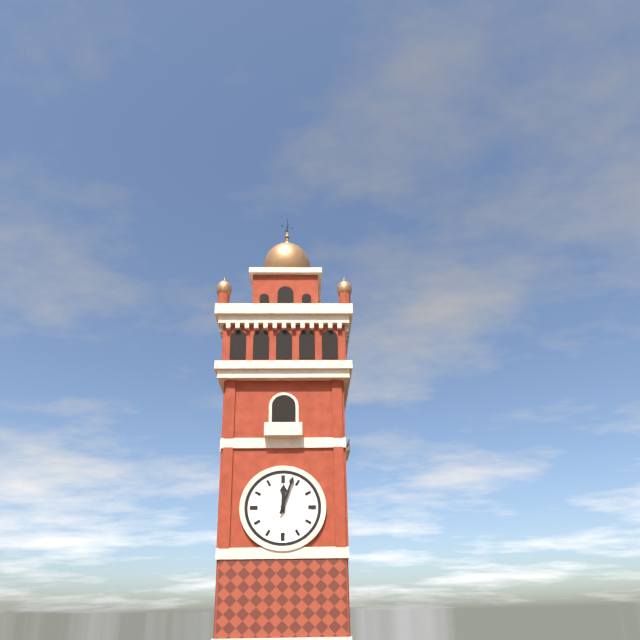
**12:03**
